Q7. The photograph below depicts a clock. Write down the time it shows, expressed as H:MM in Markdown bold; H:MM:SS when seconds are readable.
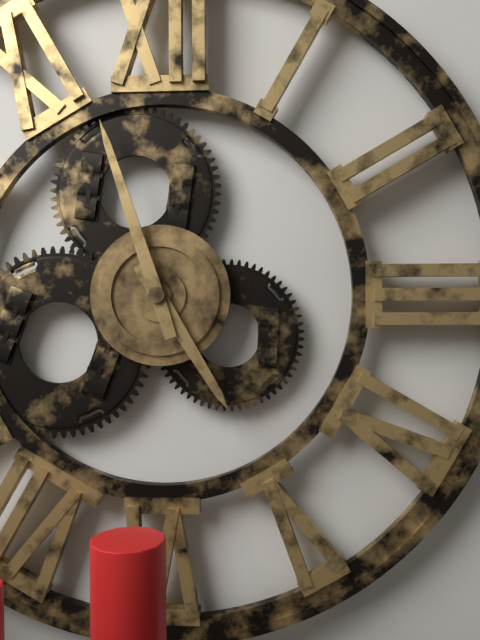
**4:57**
